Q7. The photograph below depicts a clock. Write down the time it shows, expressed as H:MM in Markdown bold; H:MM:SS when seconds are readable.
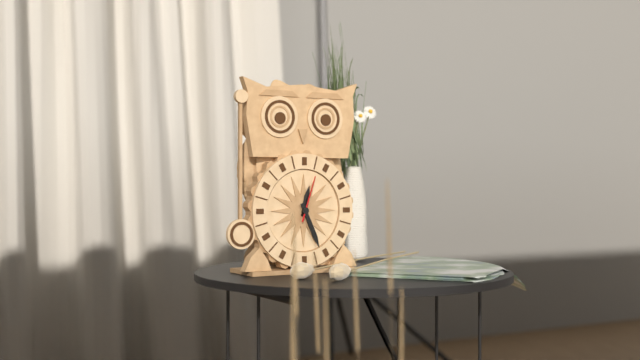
**12:26**
